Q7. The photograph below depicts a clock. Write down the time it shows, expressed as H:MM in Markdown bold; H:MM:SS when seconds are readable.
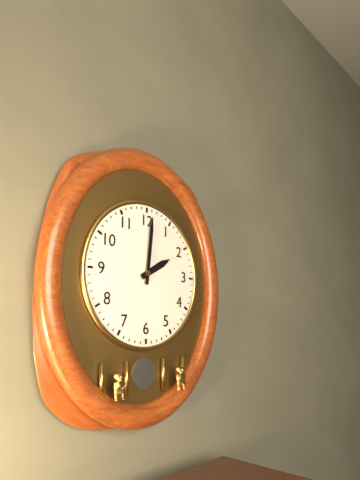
**2:01**
